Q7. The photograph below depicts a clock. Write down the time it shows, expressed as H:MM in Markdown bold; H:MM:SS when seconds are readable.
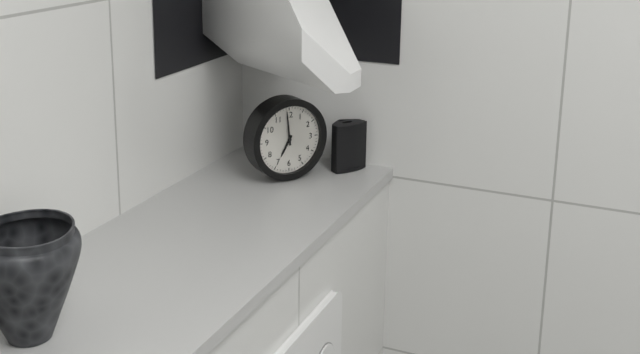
**6:59**
